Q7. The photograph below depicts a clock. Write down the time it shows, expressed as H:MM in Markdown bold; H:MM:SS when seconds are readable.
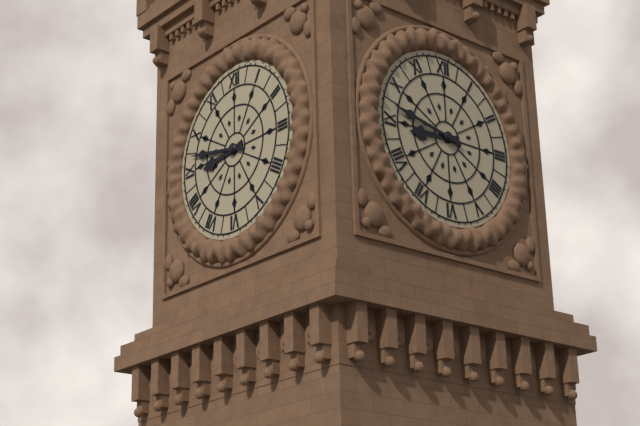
**8:47**
